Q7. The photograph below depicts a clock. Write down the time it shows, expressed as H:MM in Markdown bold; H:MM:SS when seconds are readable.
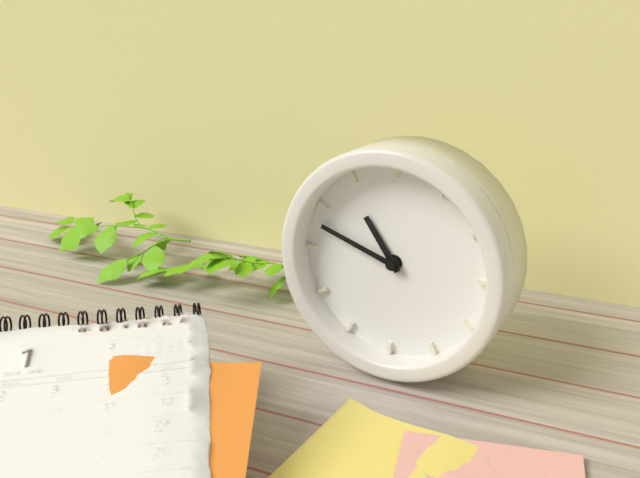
**10:48**
